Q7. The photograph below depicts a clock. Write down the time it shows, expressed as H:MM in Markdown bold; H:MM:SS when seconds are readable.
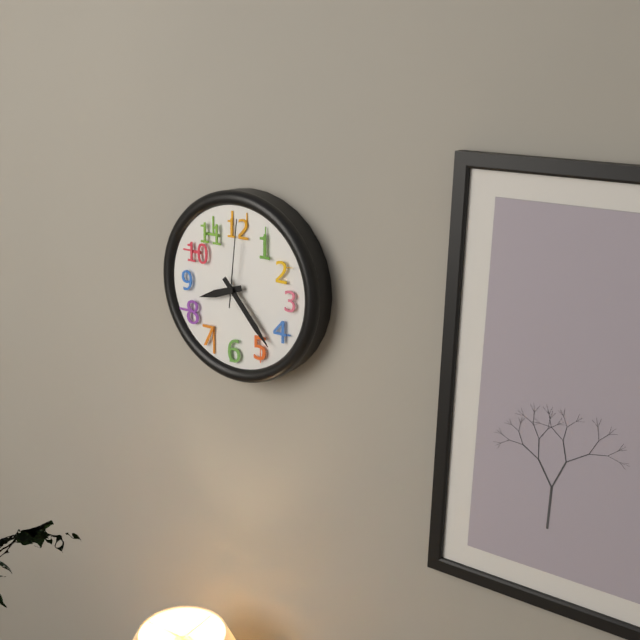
**8:23:01**
